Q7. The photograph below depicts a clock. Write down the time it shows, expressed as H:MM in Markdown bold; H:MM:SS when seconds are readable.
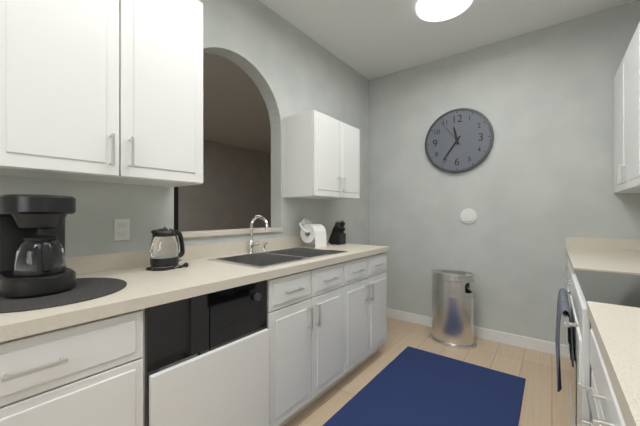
**11:36**
